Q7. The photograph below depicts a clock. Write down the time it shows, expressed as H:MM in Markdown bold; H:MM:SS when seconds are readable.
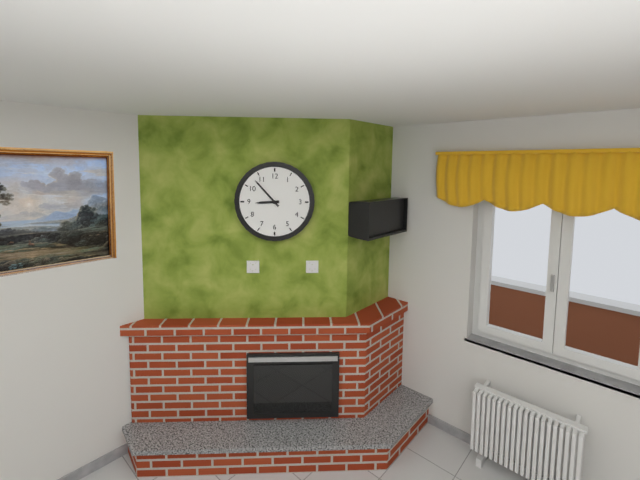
**8:53**
